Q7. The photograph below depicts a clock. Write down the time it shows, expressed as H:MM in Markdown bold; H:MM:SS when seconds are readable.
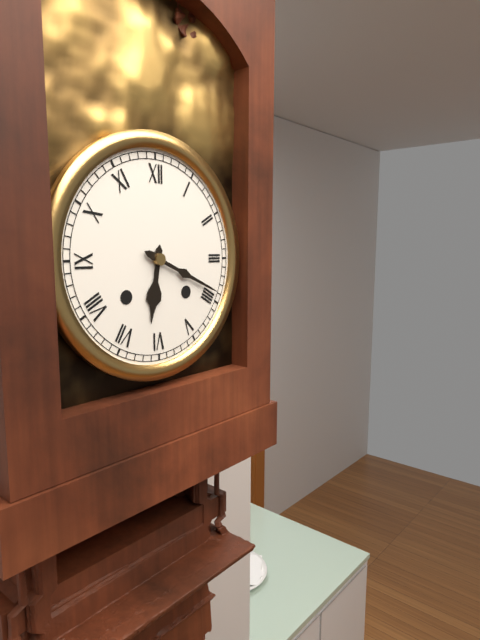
**6:19**
